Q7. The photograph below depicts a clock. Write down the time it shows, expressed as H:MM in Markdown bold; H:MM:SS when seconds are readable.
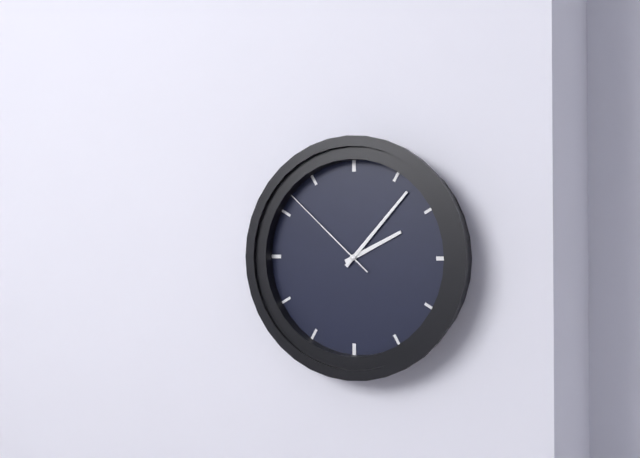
**2:07:52**
